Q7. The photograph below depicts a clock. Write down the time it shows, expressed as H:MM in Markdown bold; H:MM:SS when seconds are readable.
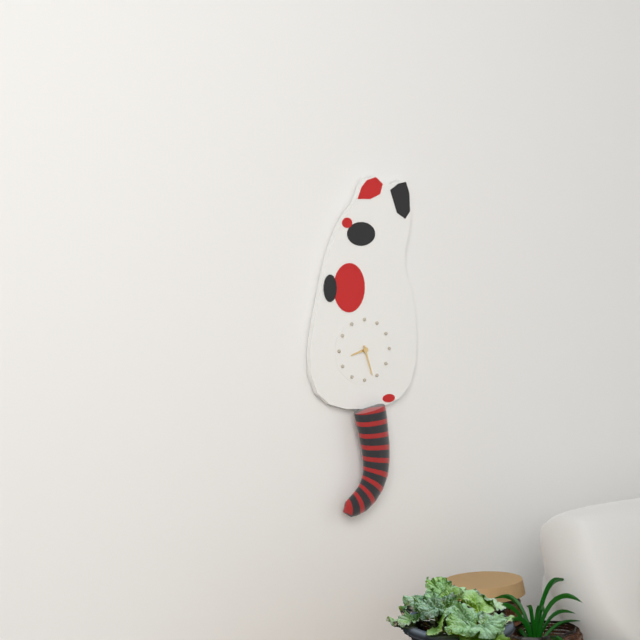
**8:27**
